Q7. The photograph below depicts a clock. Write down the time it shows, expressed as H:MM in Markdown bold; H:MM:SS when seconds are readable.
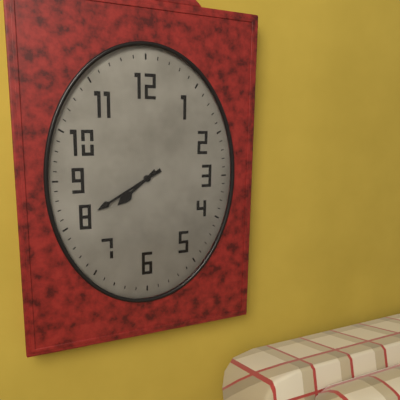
**7:40**
